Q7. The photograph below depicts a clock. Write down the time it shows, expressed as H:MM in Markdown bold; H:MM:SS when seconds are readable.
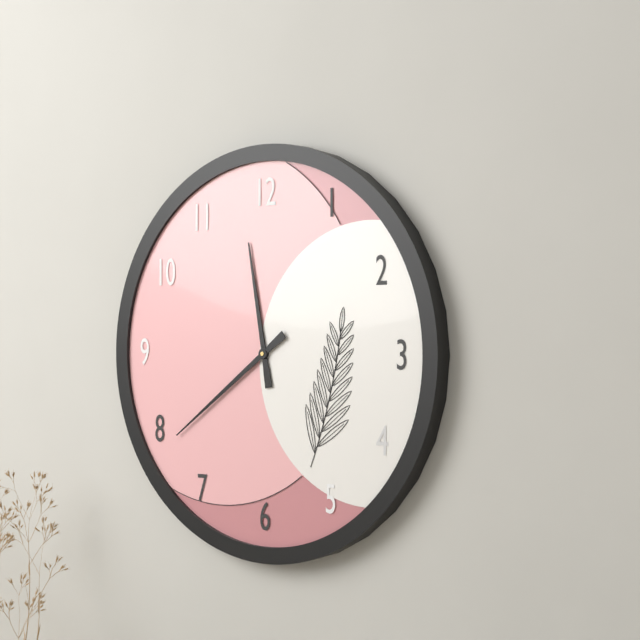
**11:39**
